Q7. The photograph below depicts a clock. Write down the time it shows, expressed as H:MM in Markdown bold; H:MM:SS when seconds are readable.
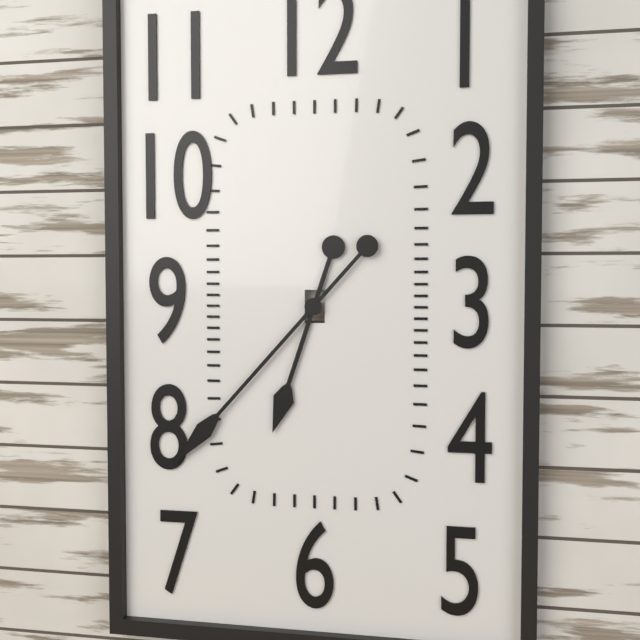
**6:37**
